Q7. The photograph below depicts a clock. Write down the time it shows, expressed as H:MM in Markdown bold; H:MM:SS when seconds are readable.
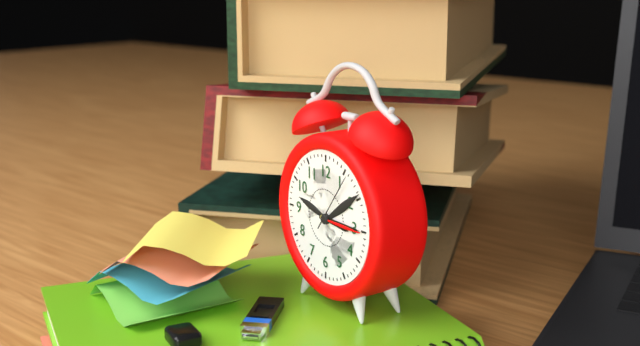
**3:15:06**
